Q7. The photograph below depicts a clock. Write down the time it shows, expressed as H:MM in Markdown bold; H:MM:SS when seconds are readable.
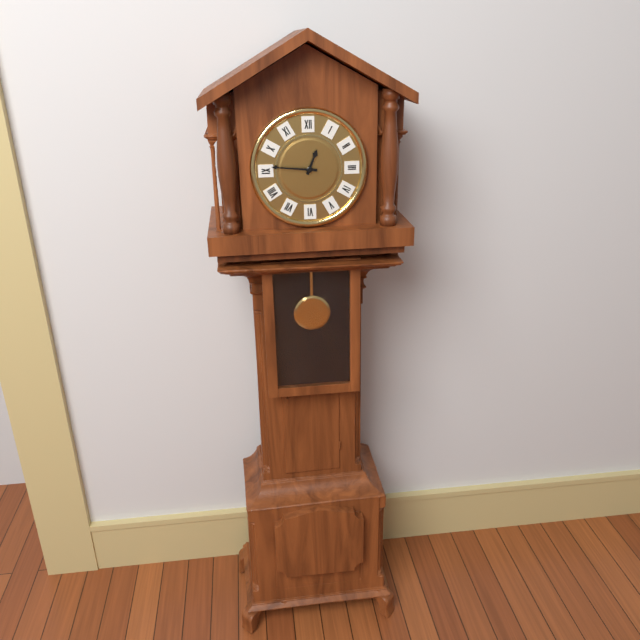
**12:46**
